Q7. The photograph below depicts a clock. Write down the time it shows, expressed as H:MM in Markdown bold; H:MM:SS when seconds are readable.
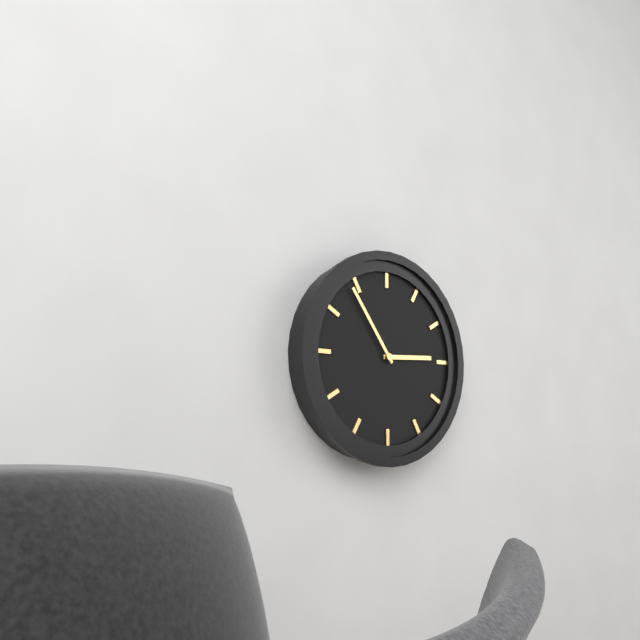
**2:54**
